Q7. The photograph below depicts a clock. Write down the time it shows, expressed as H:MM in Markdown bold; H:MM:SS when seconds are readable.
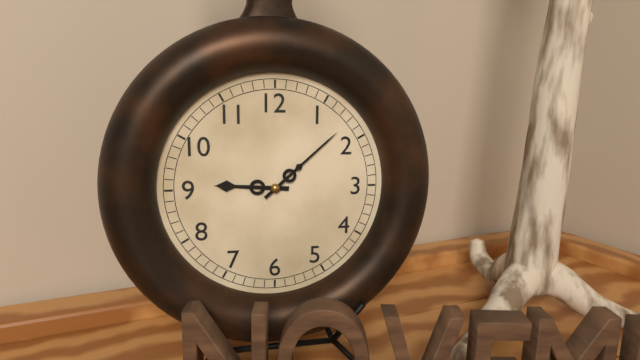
**9:08**
